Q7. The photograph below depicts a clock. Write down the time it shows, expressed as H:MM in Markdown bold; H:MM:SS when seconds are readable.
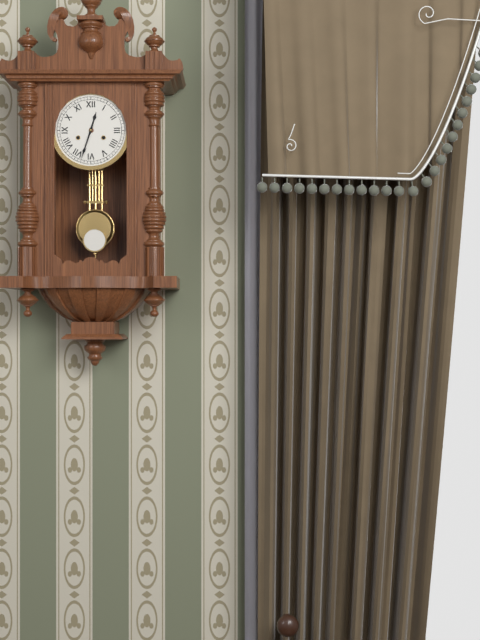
**12:33**
